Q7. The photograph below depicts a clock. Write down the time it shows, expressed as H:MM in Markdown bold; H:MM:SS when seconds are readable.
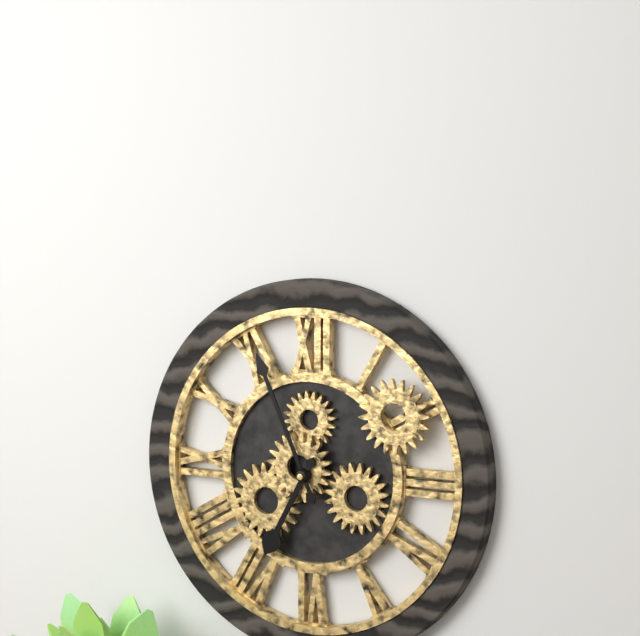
**6:56**
